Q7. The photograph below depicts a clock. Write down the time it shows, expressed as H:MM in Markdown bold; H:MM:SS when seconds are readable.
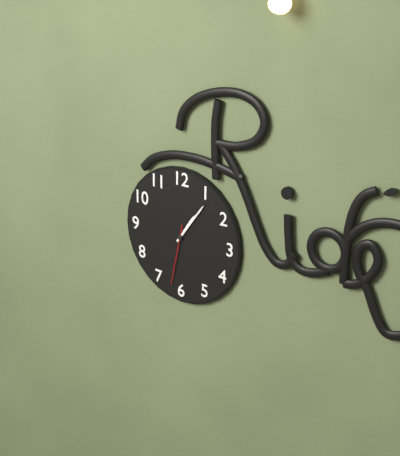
**1:06:32**
